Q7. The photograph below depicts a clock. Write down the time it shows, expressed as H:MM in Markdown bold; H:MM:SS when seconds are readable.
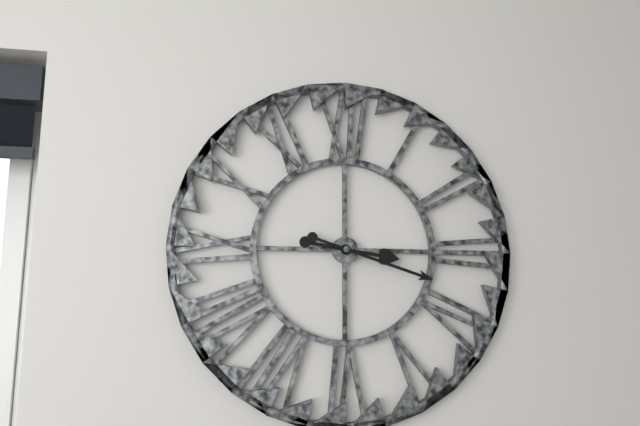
**3:18**
